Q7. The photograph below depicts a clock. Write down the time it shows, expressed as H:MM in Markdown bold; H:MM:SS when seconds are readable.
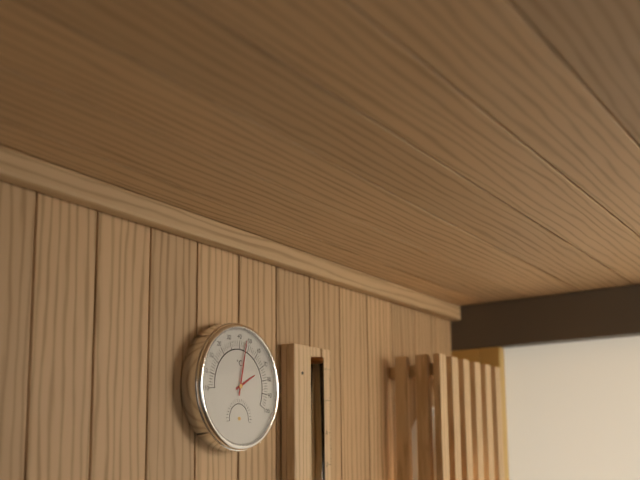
**2:02**
